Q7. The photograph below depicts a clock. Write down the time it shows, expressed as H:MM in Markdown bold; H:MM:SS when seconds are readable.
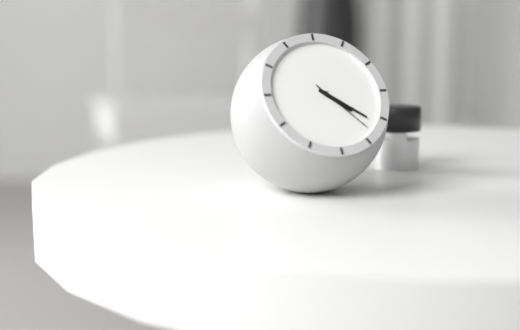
**4:21:23**
